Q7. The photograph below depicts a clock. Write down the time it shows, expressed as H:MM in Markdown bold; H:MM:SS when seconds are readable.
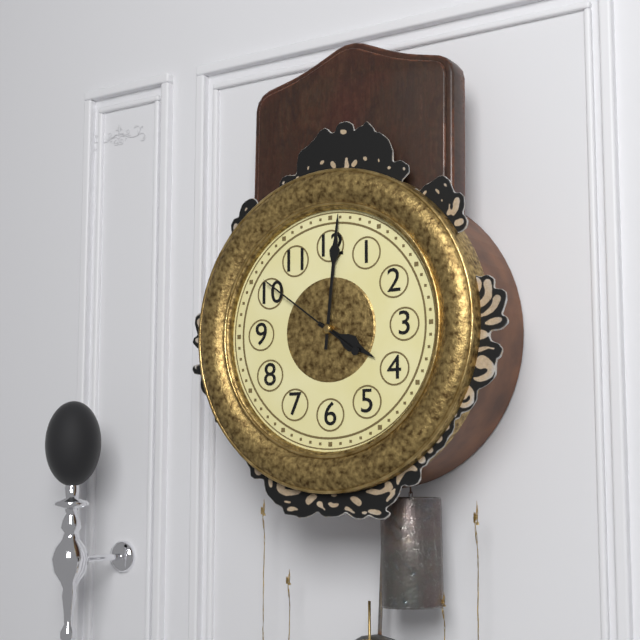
**4:01:51**
